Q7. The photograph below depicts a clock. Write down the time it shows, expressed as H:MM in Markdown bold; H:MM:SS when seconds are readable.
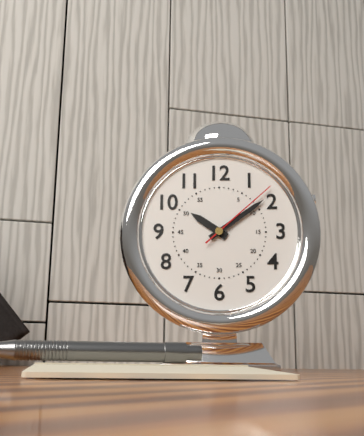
**10:09:08**
